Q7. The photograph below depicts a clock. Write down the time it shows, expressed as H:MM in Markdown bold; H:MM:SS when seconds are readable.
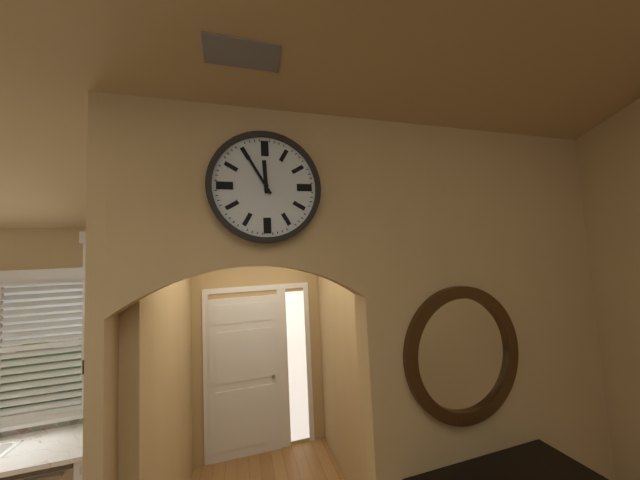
**11:55**
